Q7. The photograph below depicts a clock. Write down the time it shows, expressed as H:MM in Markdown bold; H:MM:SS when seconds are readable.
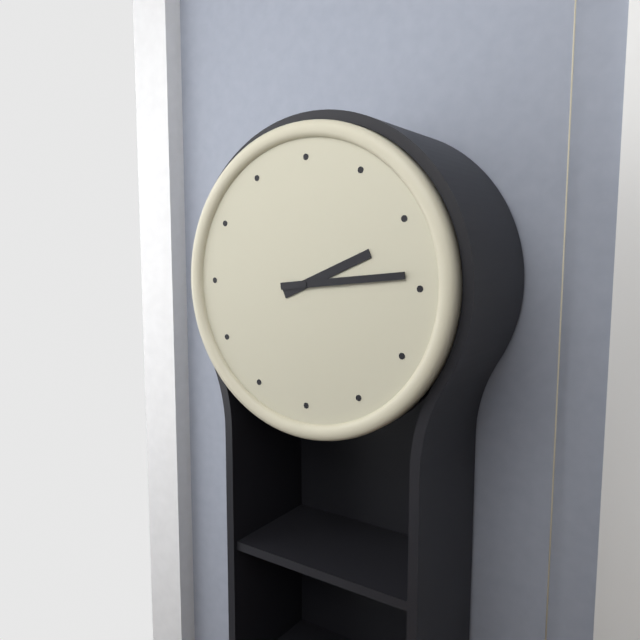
**2:14**
